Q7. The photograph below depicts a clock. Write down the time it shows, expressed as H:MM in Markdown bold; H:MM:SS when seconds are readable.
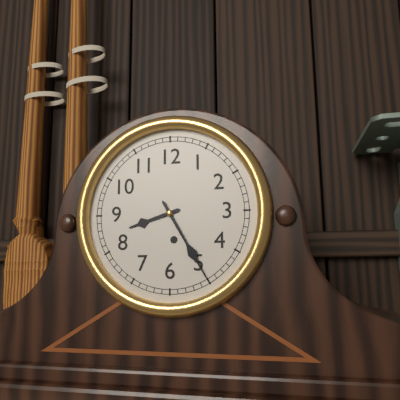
**8:25**
